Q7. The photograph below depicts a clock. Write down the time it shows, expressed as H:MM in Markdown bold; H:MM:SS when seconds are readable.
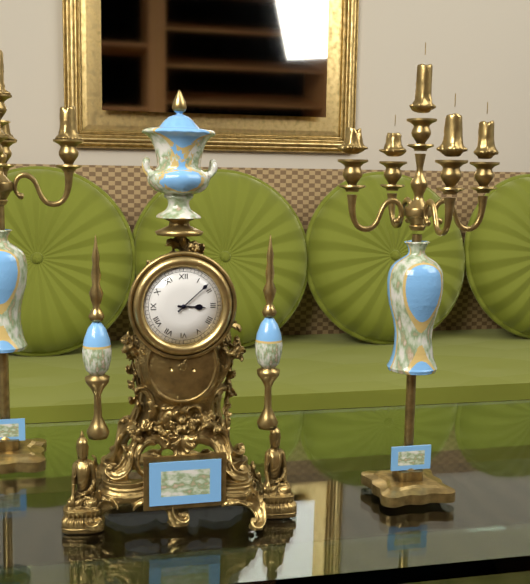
**3:08**
